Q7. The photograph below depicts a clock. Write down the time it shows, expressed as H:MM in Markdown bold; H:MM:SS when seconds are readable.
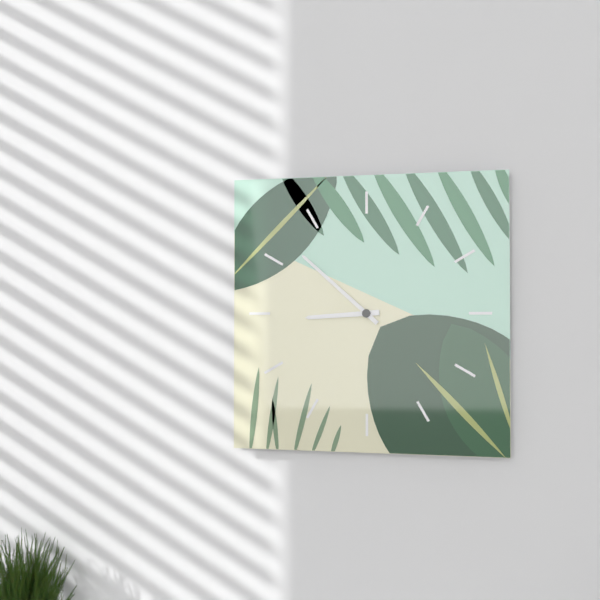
**8:52**
